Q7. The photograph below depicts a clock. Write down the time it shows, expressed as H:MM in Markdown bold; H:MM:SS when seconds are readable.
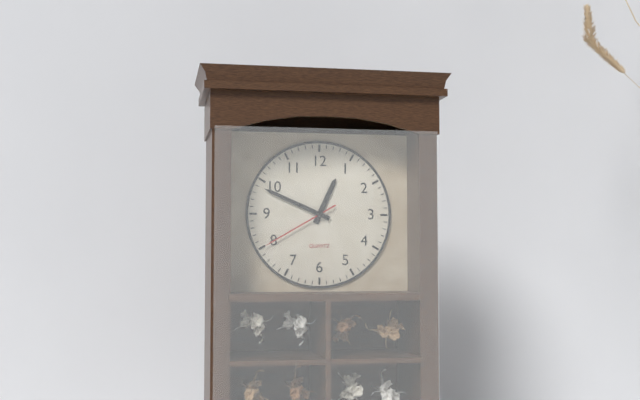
**12:49:40**
